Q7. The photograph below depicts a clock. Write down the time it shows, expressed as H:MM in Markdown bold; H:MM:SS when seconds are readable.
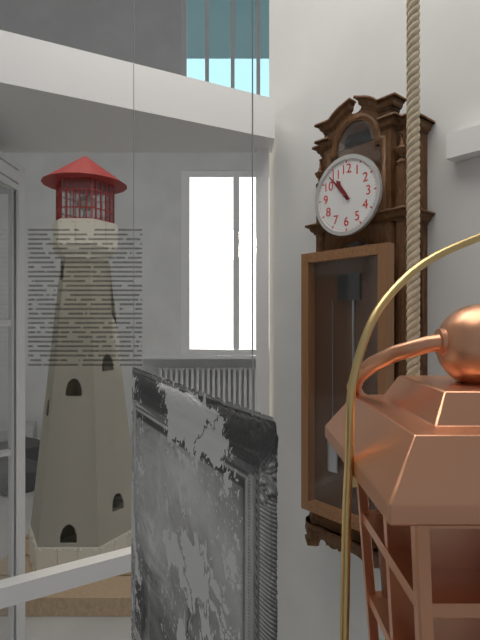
**10:53**
